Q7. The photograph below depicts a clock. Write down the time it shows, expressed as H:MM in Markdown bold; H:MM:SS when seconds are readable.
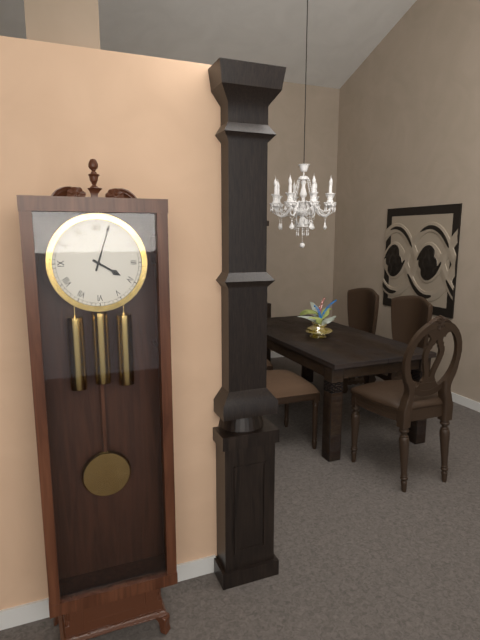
**4:03**
